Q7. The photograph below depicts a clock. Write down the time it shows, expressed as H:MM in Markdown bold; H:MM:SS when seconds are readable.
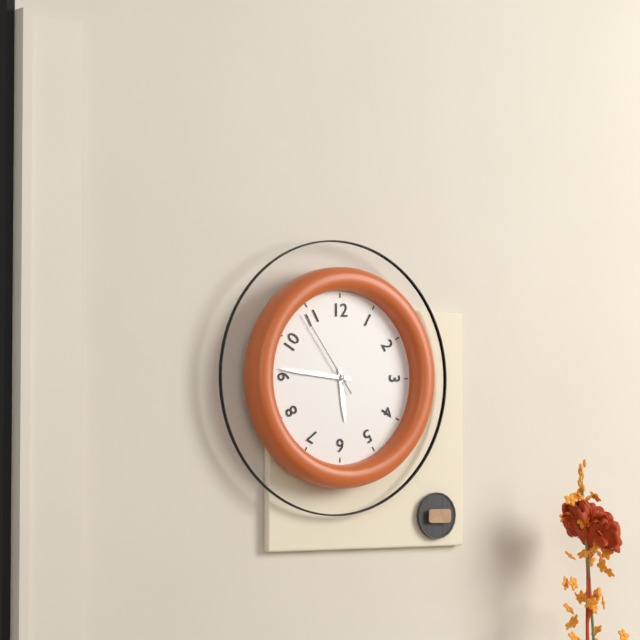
**5:46:54**
